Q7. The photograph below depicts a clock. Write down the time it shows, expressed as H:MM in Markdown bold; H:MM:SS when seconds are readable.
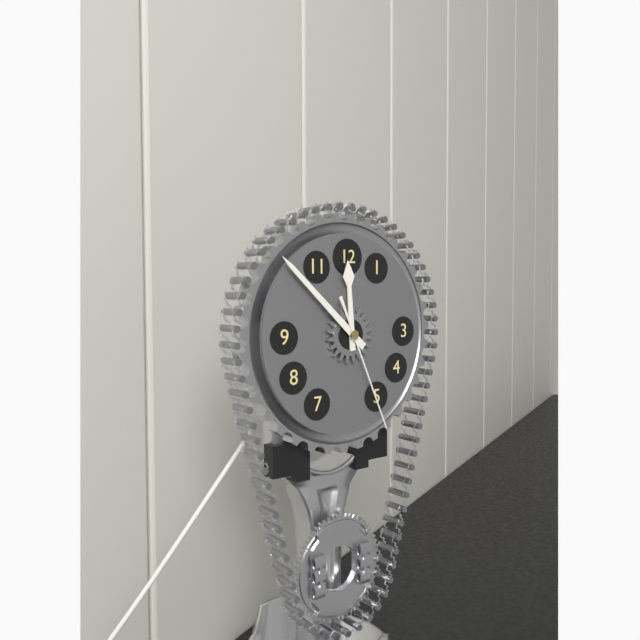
**11:52:26**
